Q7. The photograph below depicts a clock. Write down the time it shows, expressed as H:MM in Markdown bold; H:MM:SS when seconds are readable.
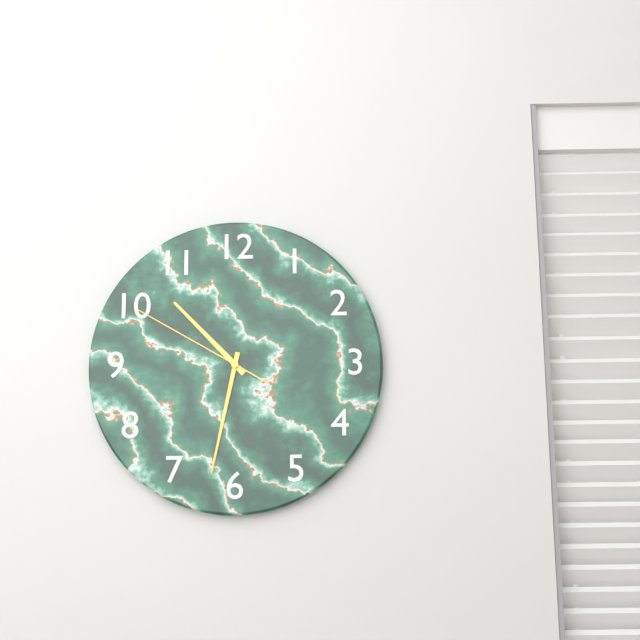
**10:32:50**
